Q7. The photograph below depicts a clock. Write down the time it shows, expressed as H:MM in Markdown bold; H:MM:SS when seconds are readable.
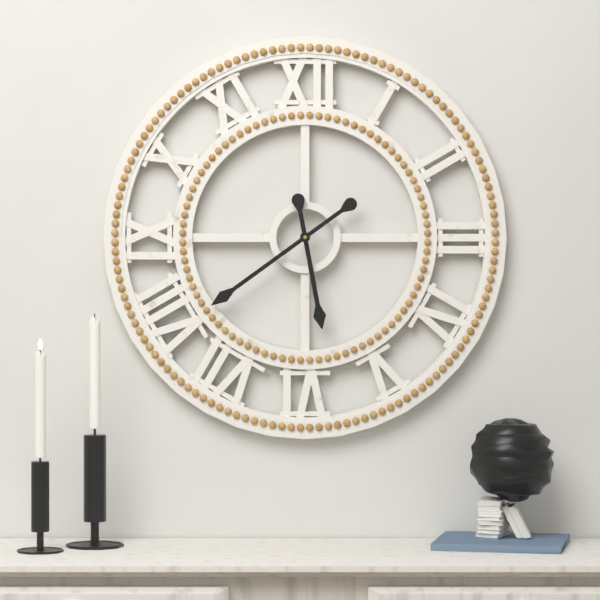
**5:39**
